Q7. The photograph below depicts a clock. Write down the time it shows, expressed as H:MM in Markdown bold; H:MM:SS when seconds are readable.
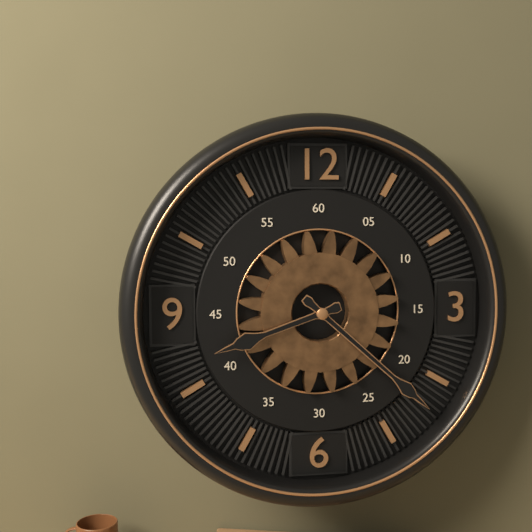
**8:22**
